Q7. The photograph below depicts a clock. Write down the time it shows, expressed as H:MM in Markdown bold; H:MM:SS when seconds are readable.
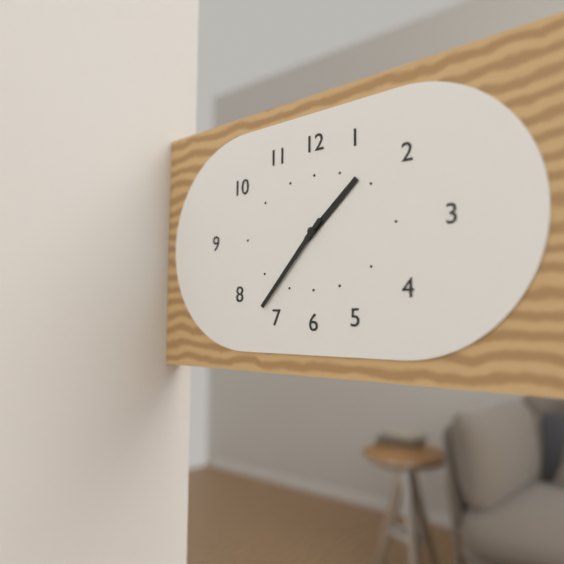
**1:37**
